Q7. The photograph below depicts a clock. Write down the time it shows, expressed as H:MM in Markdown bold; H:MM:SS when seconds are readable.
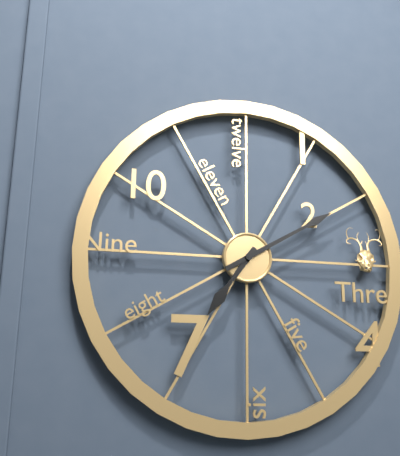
**7:10**
